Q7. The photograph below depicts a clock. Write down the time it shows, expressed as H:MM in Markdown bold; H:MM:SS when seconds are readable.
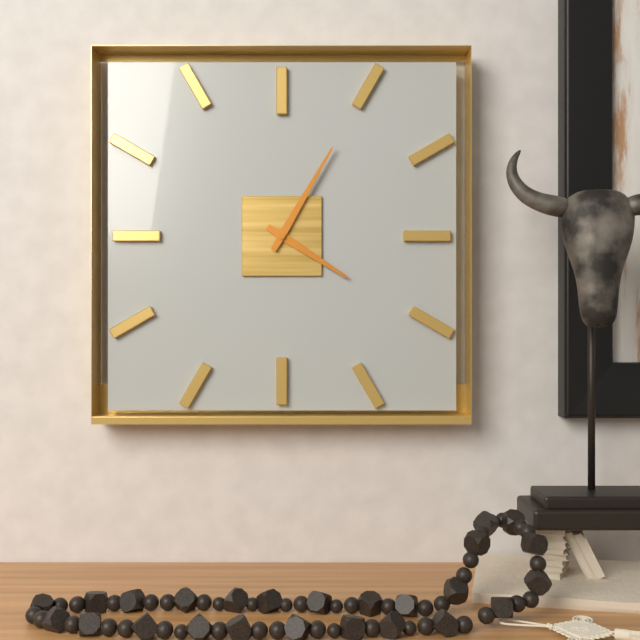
**4:05**
